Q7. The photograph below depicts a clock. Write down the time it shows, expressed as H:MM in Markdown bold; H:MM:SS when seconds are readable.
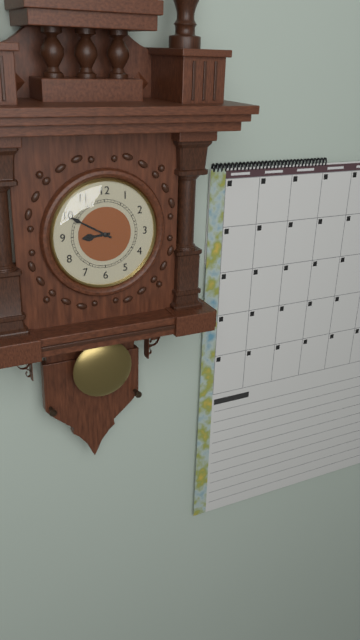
**8:50**
